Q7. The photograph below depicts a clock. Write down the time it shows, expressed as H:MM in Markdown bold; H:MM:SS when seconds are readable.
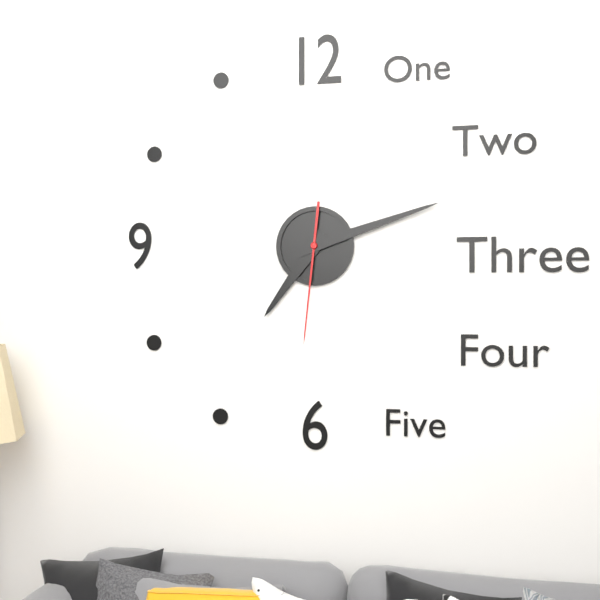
**7:12:31**
